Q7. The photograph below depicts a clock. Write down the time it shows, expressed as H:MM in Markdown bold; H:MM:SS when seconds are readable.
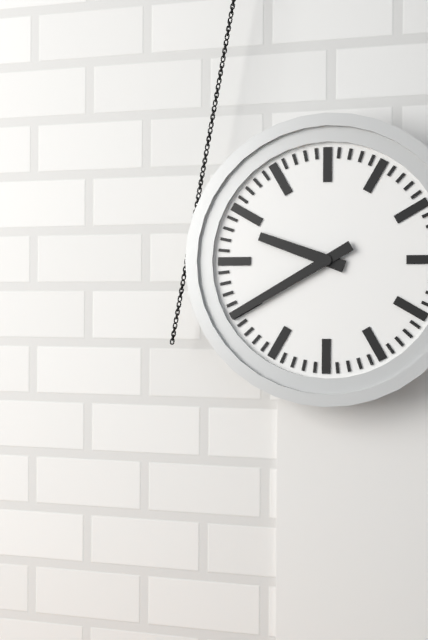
**9:40**
